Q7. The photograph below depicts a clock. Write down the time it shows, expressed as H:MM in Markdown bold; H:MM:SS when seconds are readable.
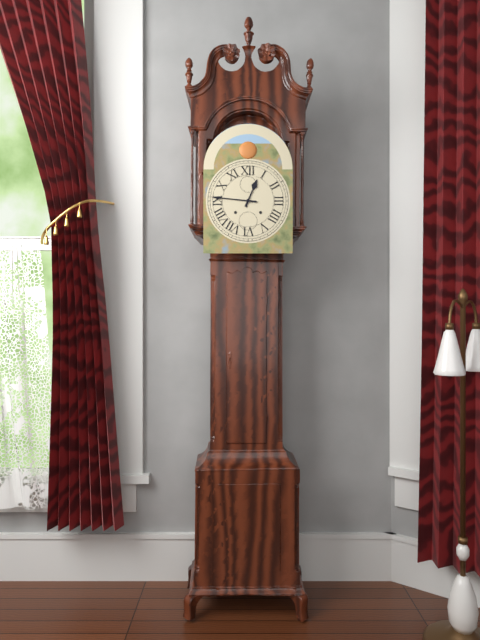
**12:46**
